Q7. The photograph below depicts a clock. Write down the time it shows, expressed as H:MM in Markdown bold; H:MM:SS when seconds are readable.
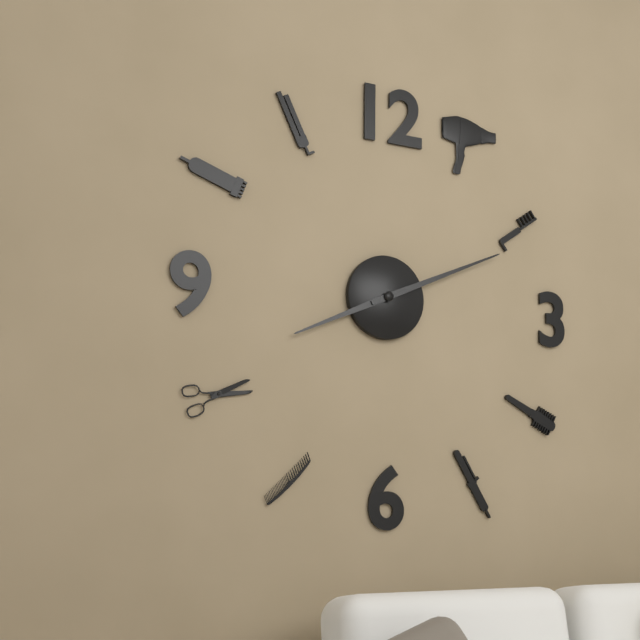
**8:11**
